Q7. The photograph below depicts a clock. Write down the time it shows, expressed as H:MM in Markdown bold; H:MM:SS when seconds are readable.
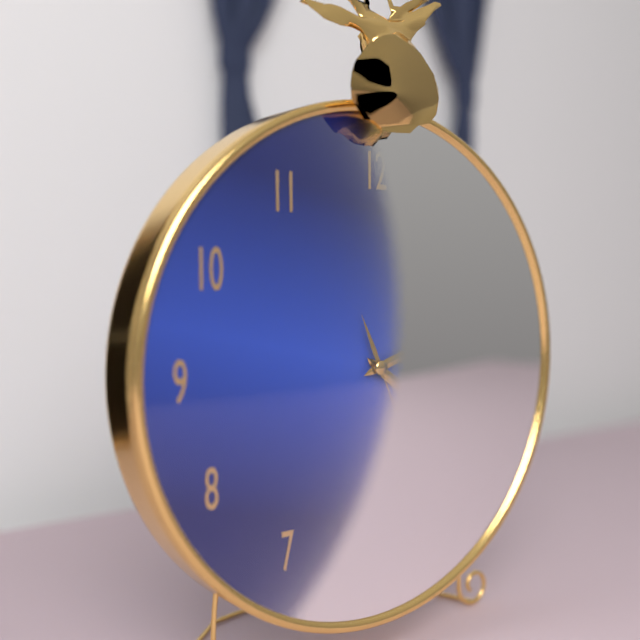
**4:12:26**
